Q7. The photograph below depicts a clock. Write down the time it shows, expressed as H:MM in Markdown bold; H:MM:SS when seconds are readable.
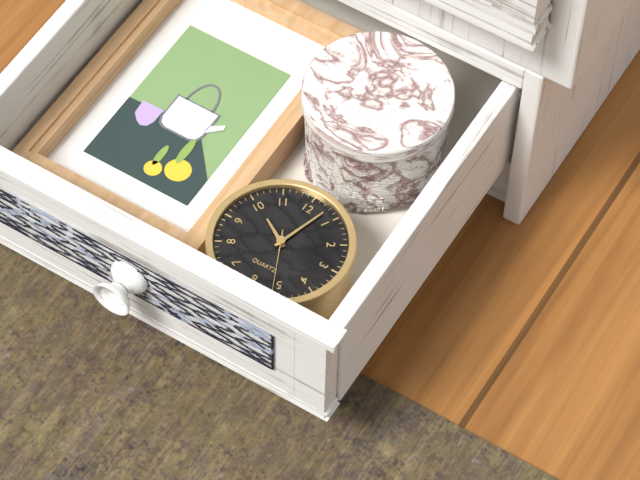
**10:03:26**
